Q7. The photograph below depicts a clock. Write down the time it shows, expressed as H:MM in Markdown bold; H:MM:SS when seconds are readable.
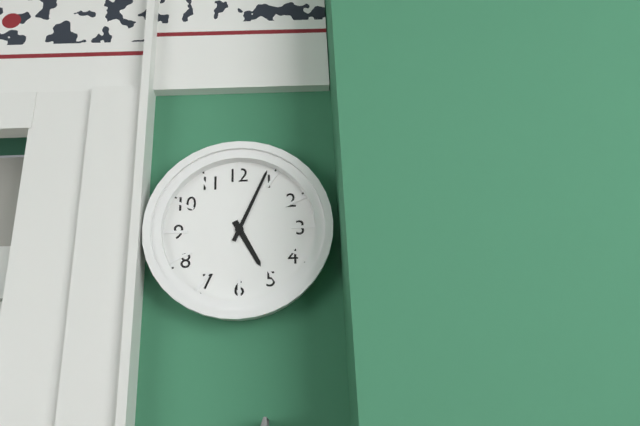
**5:04**
